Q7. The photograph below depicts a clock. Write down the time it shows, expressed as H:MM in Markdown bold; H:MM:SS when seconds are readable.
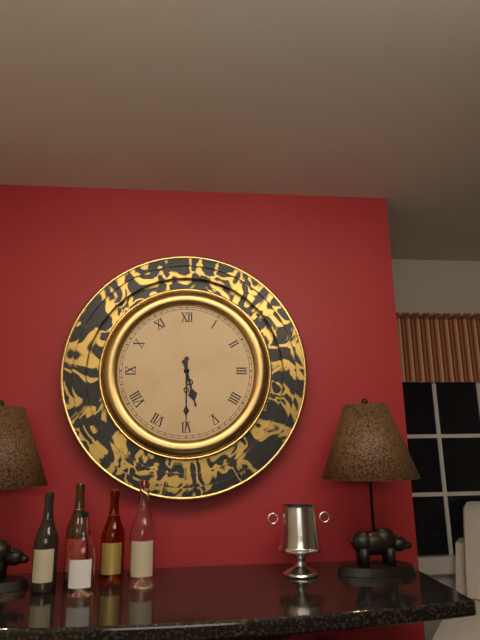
**5:30**
